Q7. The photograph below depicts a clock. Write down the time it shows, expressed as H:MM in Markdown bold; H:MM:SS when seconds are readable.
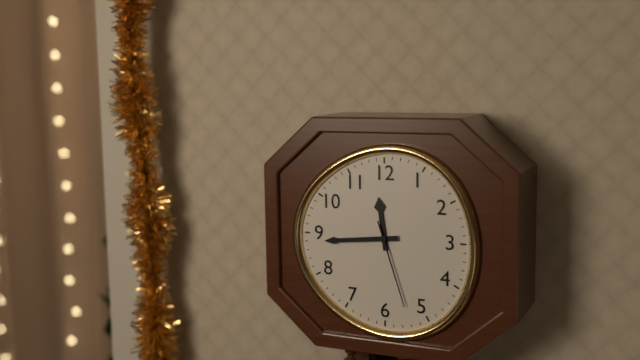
**11:44:27**
